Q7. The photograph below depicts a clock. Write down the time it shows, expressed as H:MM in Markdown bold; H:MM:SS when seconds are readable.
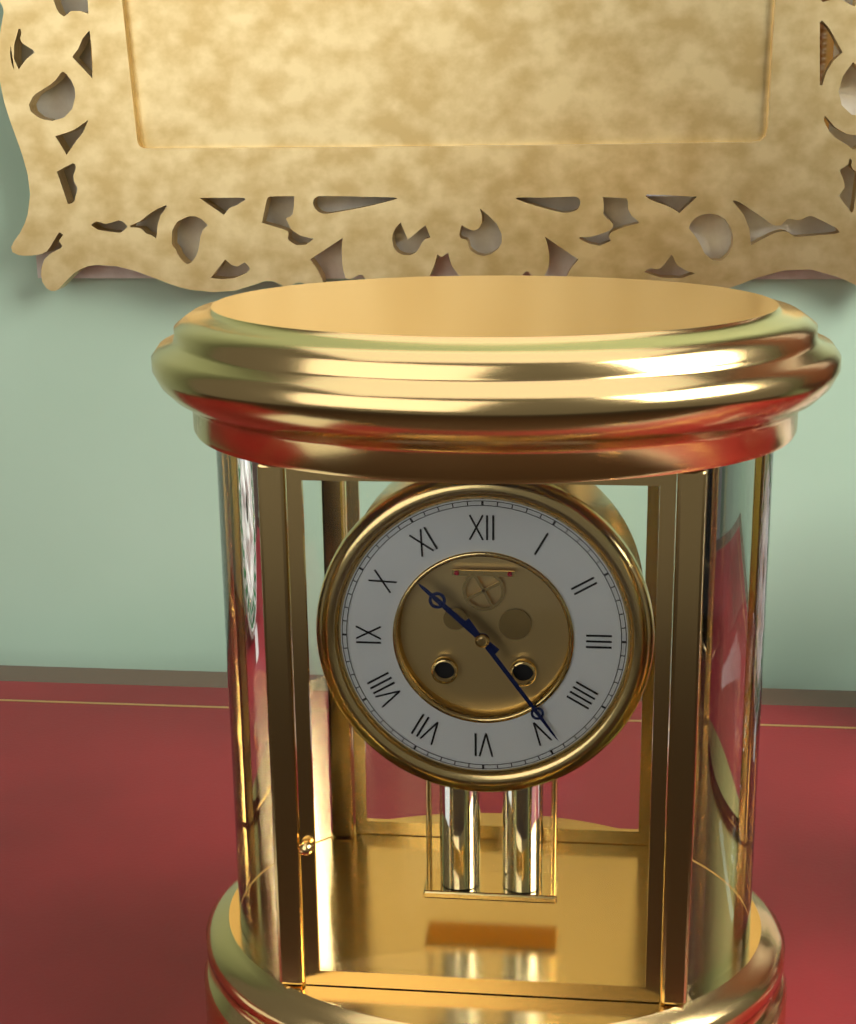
**10:24**
